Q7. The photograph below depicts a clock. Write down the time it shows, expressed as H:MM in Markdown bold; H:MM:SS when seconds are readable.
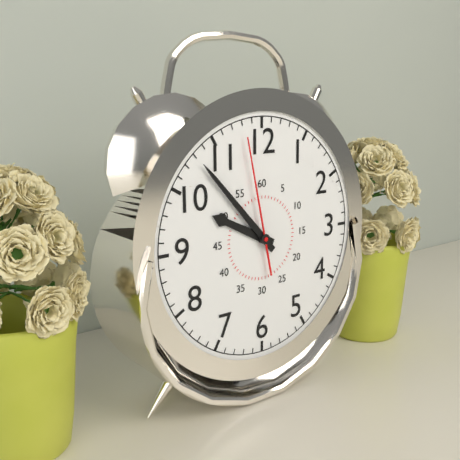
**9:53:58**
